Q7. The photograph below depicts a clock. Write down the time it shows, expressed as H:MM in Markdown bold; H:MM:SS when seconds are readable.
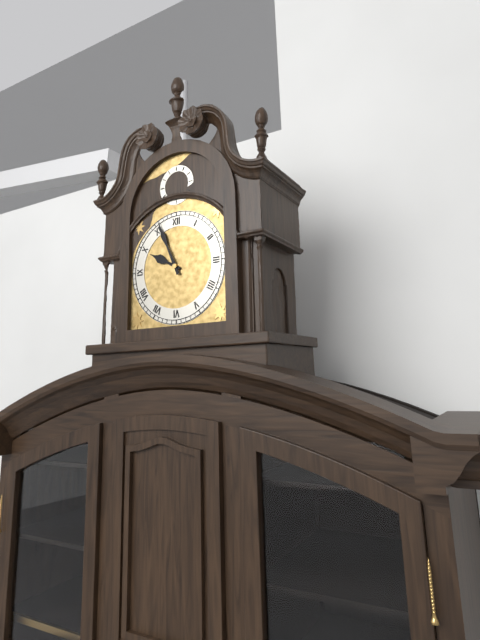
**9:56**
